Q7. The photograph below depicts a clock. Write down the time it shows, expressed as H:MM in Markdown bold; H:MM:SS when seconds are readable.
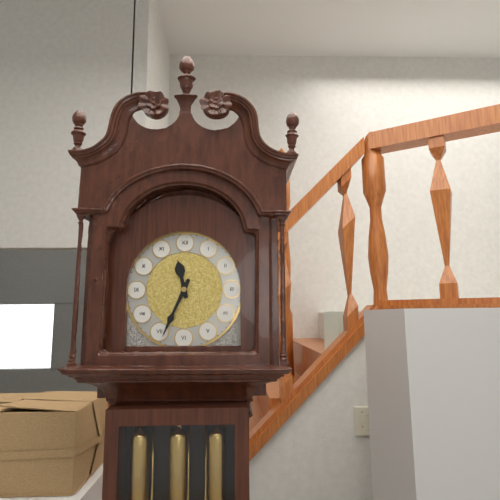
**11:34**
